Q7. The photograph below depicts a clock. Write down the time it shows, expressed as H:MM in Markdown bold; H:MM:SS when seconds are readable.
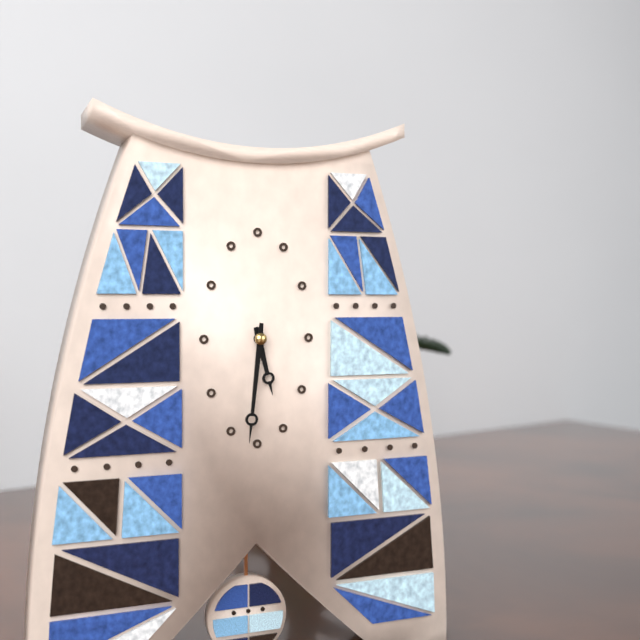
**5:31**
